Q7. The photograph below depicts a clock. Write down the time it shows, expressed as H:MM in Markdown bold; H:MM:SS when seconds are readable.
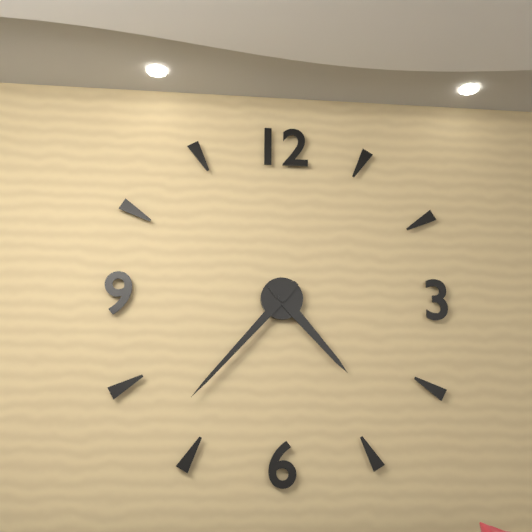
**4:37**
